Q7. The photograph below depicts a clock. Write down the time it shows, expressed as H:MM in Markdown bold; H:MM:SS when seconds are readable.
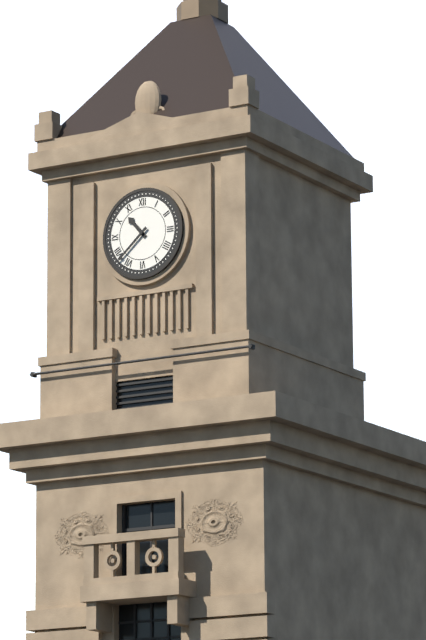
**10:38**
